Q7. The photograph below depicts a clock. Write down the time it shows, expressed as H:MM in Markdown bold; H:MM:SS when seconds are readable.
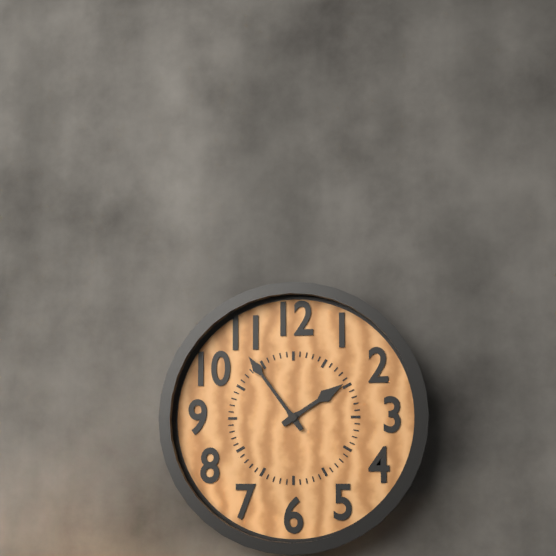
**1:54**
